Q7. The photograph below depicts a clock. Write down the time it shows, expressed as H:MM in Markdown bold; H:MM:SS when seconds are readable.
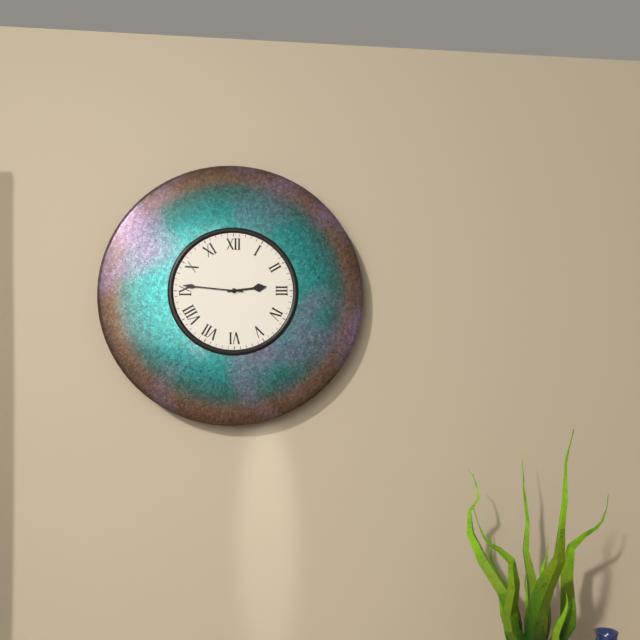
**2:46**
